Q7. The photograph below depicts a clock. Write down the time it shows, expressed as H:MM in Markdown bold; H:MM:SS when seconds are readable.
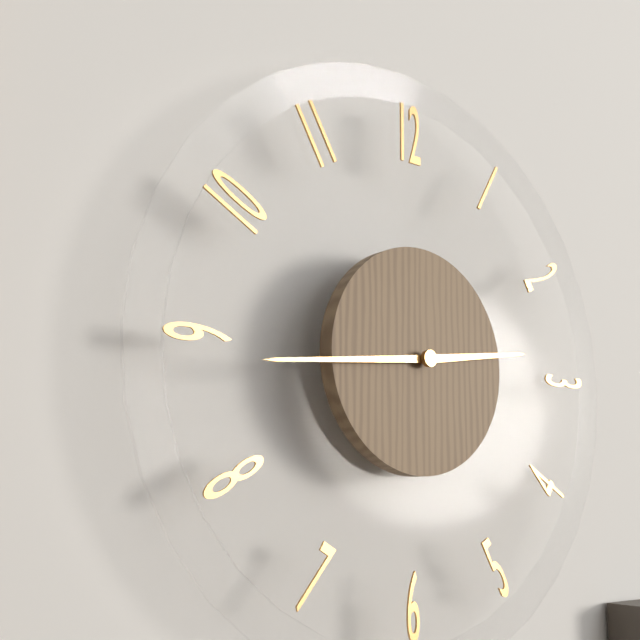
**2:44**
